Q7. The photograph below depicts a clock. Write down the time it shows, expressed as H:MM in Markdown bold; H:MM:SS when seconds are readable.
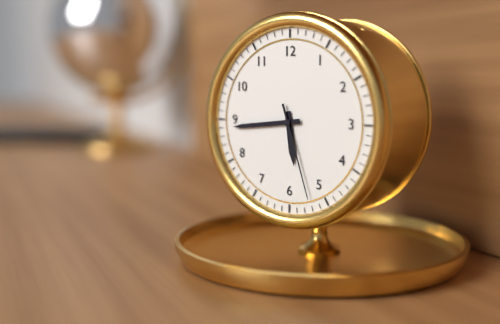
**5:44:27**
